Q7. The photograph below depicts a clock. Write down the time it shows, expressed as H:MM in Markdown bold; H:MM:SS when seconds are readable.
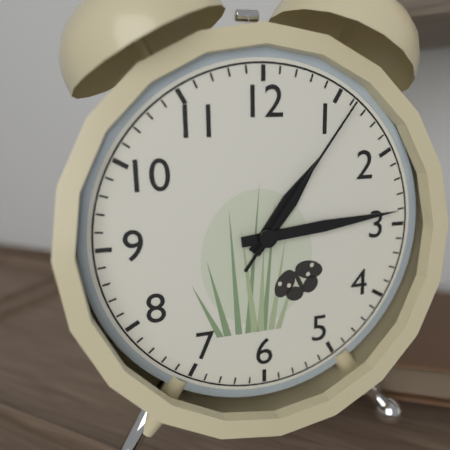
**1:14:06**
